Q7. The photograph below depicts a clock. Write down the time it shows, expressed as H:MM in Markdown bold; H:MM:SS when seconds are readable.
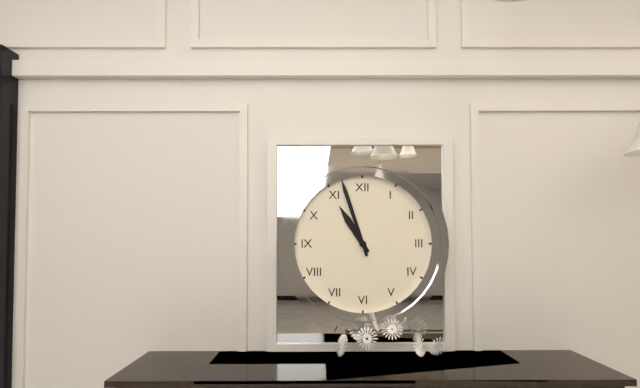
**10:57**
